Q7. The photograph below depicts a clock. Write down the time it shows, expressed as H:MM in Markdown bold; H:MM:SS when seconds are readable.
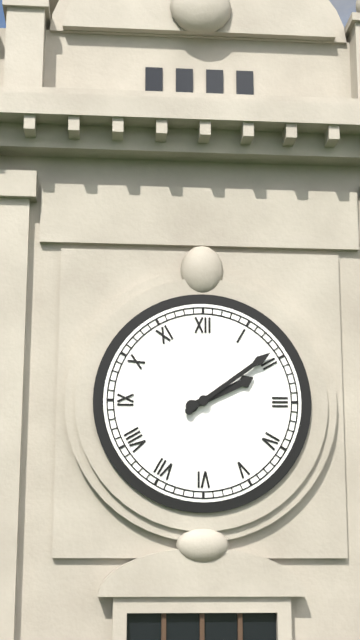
**2:09**
